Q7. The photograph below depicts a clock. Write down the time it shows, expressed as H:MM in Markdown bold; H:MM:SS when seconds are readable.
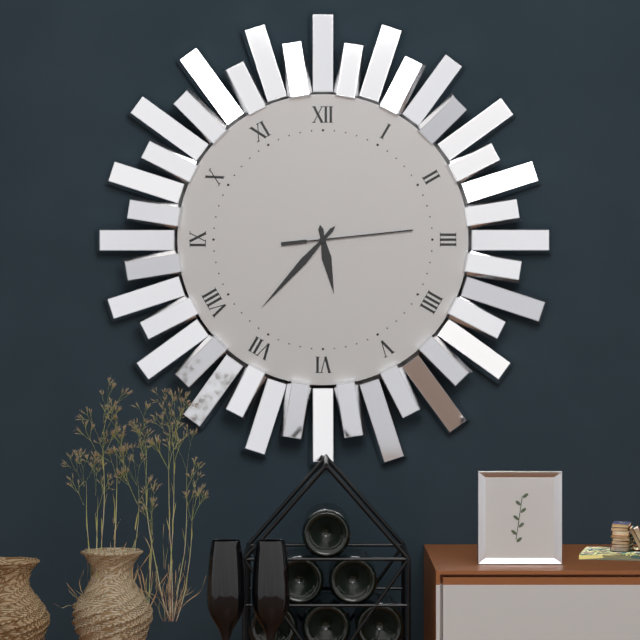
**5:37:14**
